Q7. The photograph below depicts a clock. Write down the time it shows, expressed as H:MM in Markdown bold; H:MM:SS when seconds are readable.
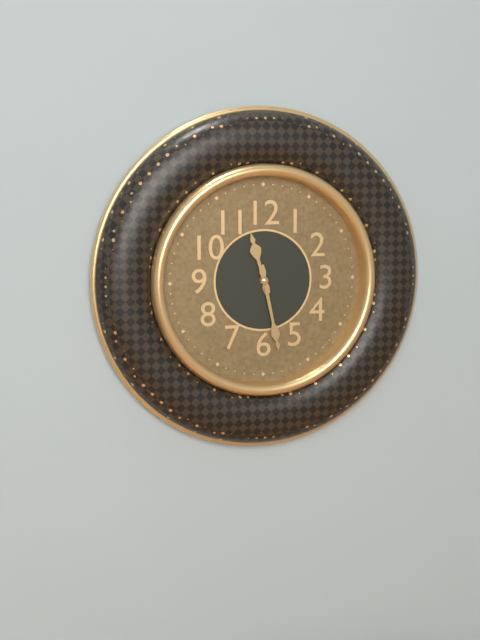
**11:28**
